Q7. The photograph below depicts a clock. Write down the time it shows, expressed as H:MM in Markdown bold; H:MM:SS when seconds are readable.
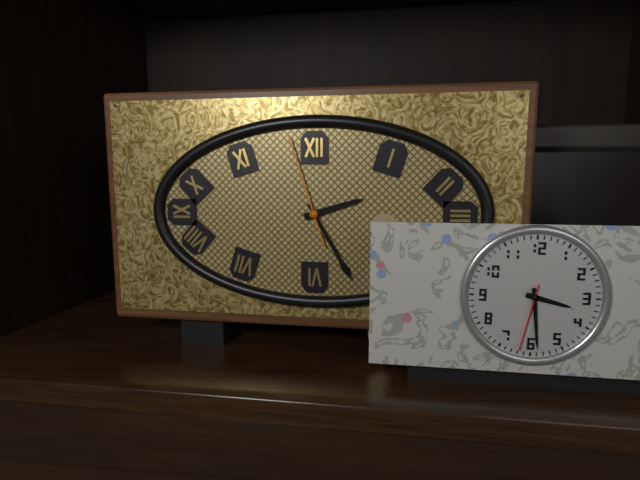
**2:25:57**
